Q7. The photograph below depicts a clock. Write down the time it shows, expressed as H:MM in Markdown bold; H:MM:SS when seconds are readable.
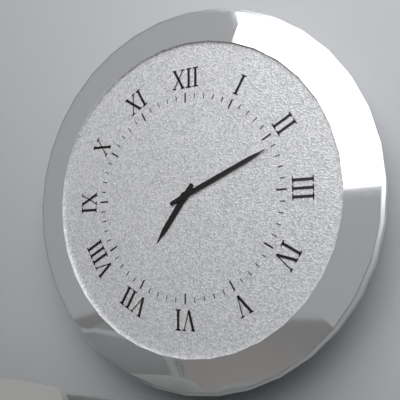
**7:11**
